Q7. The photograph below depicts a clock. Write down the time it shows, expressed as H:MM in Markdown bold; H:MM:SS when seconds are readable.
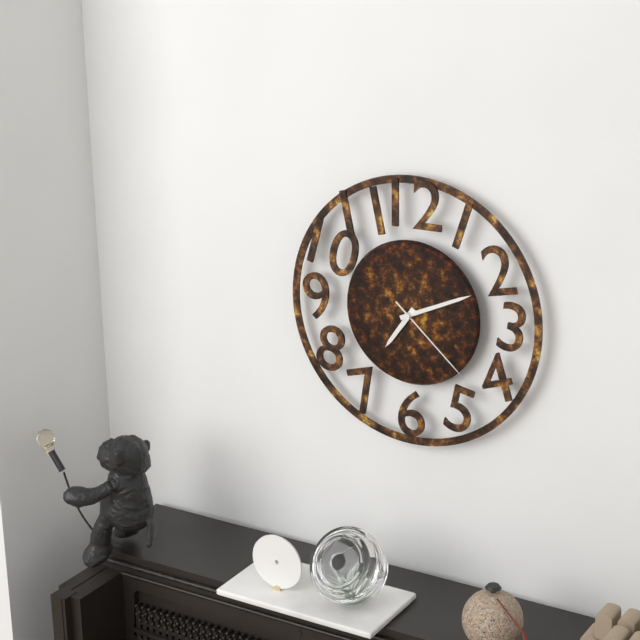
**7:11:22**
